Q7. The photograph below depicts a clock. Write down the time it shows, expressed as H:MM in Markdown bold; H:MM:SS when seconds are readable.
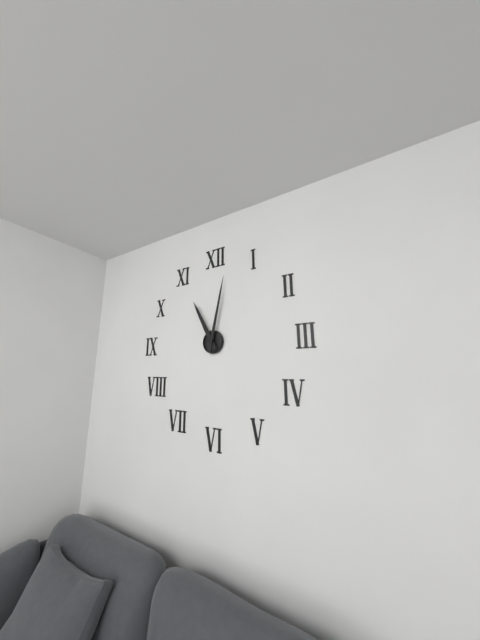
**11:02**
